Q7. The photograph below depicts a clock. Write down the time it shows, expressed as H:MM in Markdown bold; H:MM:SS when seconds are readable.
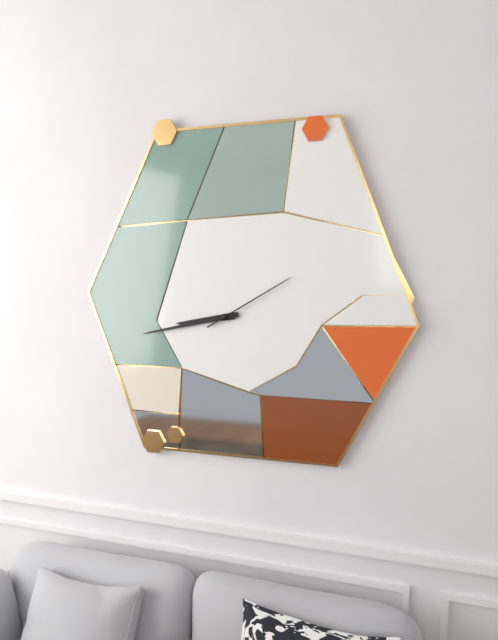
**8:43:10**
